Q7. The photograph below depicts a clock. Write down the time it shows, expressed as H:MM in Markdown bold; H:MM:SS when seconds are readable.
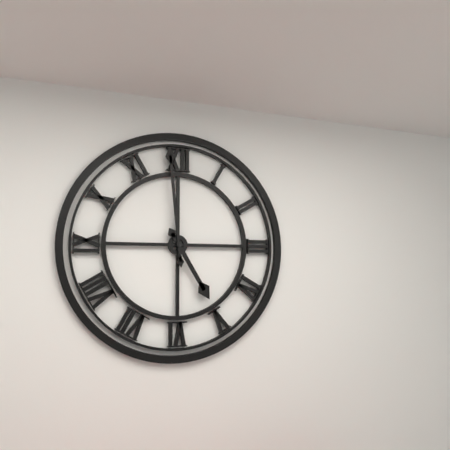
**4:59**
